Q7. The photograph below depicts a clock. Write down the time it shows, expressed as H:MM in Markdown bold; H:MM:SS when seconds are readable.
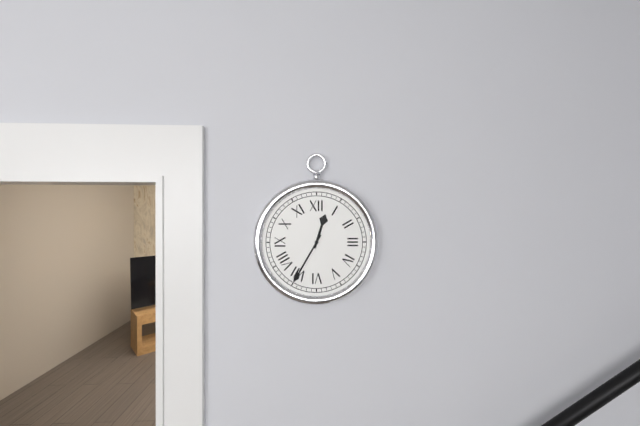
**12:35**
